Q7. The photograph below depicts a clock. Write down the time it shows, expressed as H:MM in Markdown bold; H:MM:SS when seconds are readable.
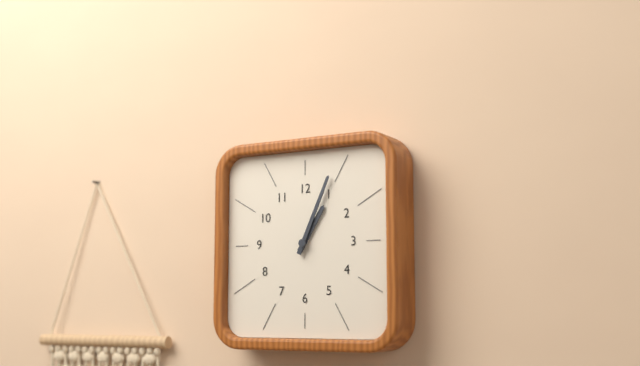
**1:04**
